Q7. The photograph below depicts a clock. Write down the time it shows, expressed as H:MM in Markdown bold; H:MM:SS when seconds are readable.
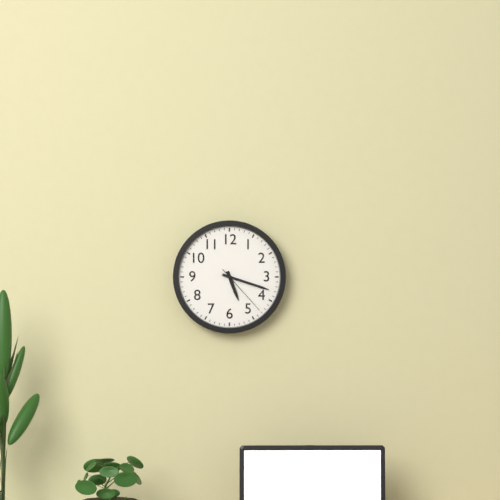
**5:18:23**
